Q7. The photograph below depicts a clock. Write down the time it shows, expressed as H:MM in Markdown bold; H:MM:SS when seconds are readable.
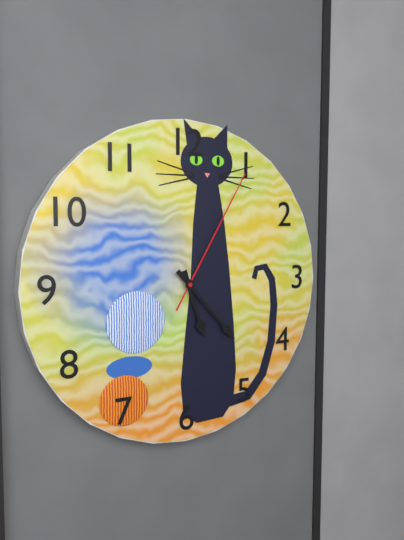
**5:23:05**
